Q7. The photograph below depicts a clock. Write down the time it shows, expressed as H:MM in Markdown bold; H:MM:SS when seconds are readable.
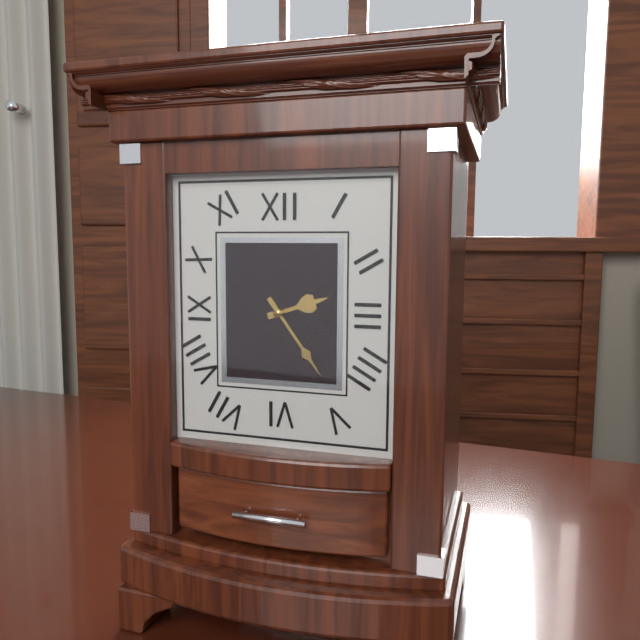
**2:24**
